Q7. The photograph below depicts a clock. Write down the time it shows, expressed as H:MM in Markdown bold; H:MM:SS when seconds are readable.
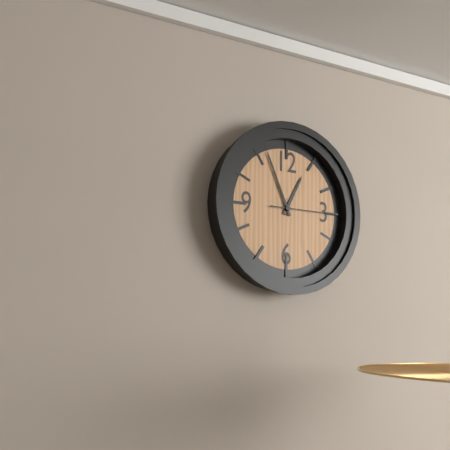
**12:56:15**
